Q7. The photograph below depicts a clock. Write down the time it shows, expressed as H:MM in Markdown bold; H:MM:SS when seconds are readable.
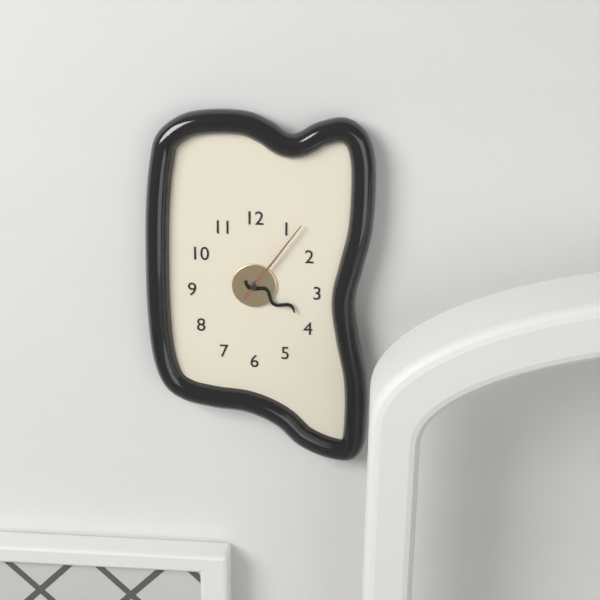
**4:06**
